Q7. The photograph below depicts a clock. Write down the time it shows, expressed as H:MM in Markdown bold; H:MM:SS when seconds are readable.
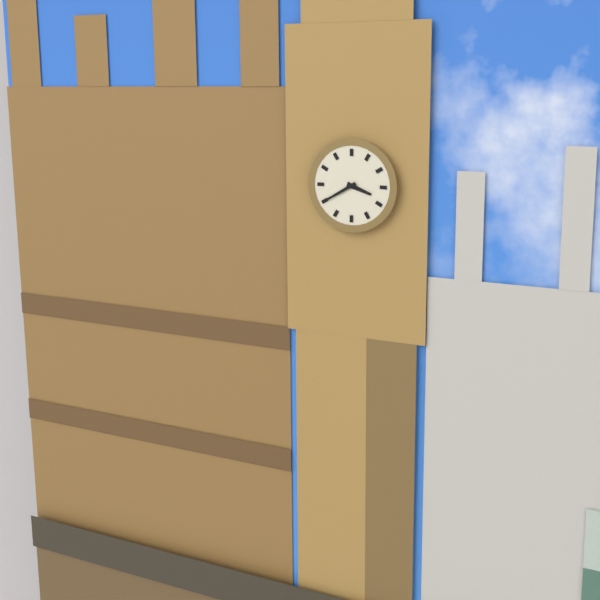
**3:40**
